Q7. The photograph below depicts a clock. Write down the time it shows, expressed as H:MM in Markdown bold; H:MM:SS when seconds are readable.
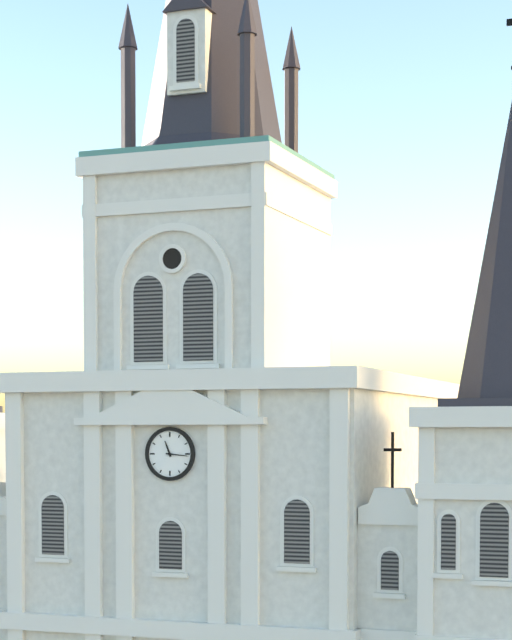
**11:16**
